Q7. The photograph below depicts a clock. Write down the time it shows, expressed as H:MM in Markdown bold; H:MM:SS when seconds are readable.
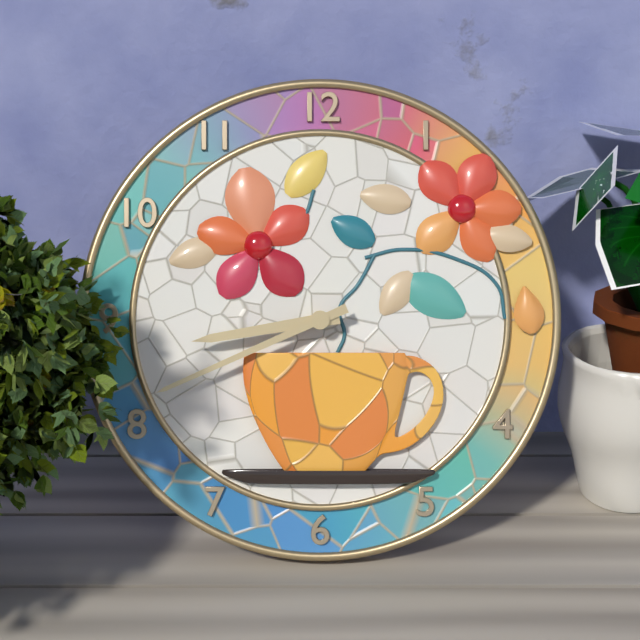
**8:41**
